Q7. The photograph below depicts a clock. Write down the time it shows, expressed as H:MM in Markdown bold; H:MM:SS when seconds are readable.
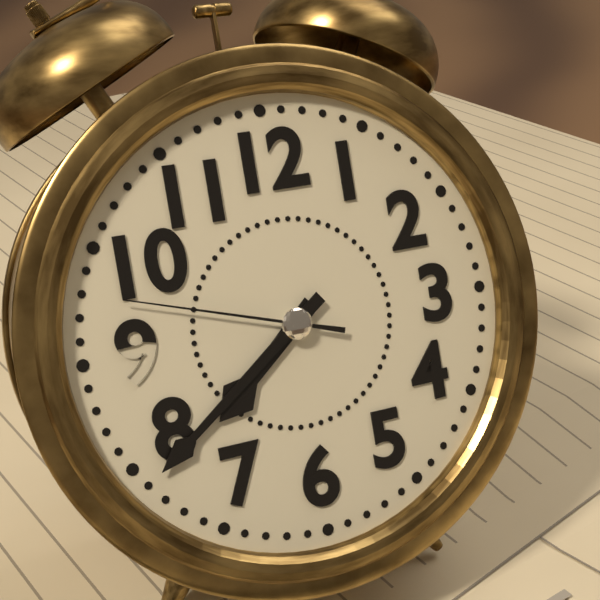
**7:39:48**
